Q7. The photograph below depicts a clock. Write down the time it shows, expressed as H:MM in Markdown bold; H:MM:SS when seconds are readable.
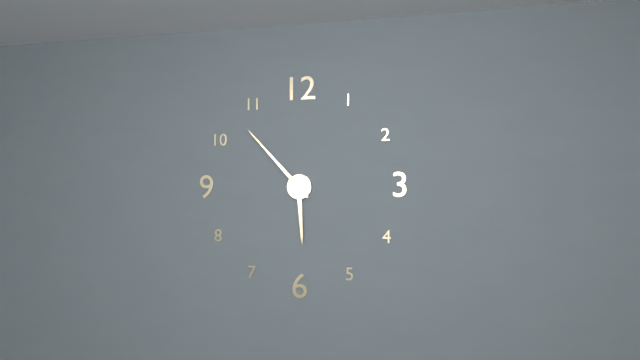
**5:53**
